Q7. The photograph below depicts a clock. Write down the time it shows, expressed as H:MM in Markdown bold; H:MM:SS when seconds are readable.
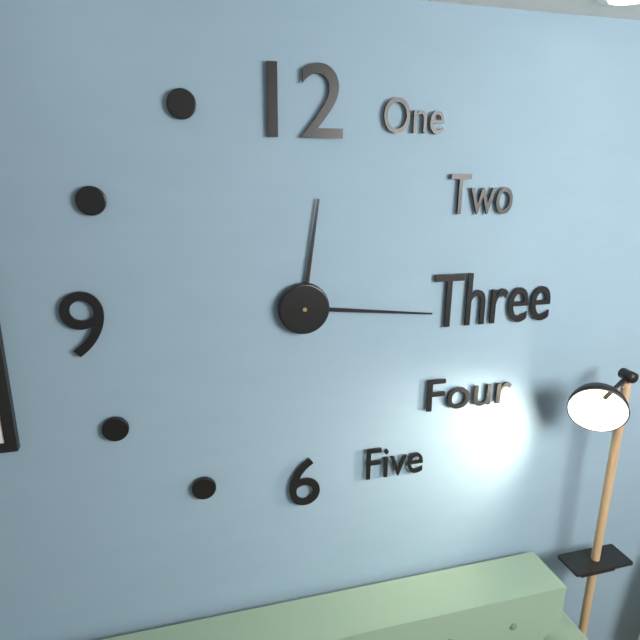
**12:16**
